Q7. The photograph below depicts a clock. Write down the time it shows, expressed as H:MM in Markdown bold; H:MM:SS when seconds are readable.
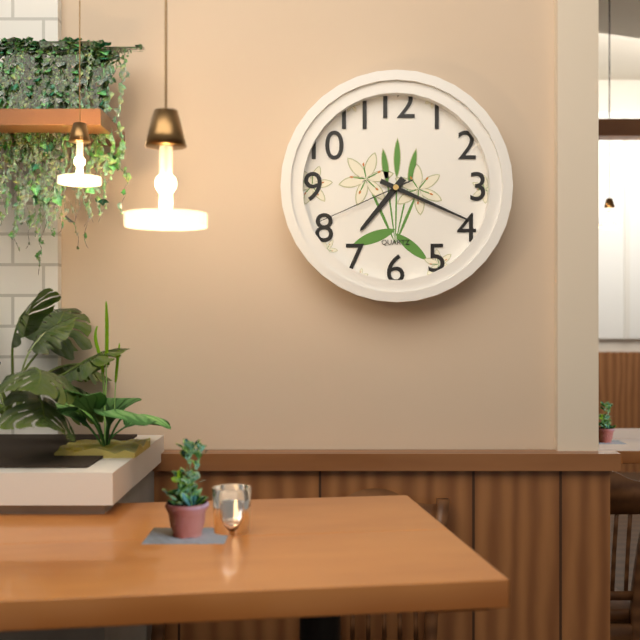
**7:19:41**
